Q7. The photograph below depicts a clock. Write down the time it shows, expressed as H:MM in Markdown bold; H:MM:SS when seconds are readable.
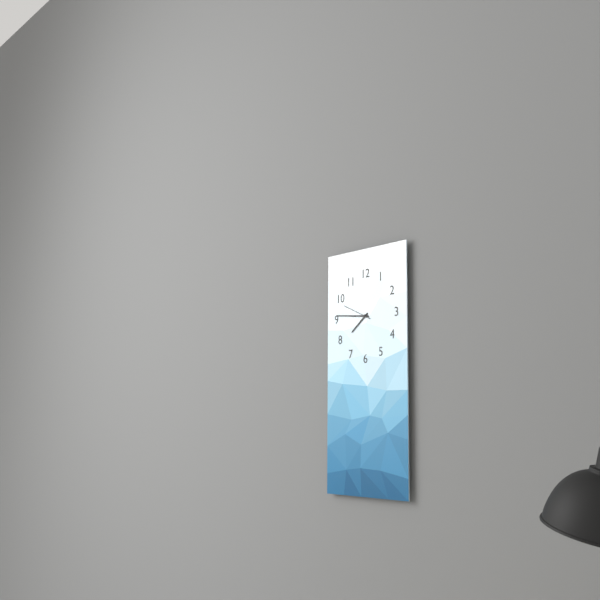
**7:46**
